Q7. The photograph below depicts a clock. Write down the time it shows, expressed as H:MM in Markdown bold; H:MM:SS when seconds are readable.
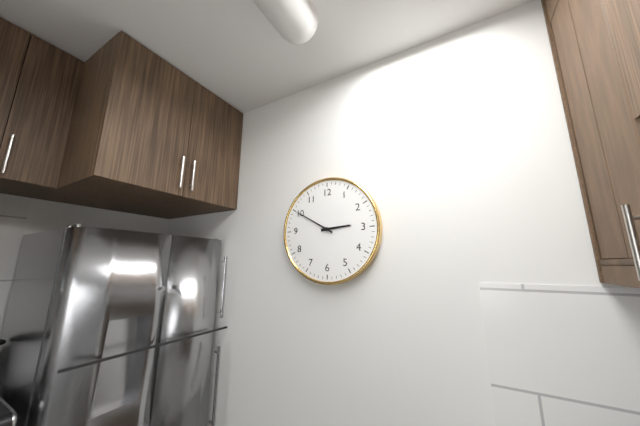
**2:50**
